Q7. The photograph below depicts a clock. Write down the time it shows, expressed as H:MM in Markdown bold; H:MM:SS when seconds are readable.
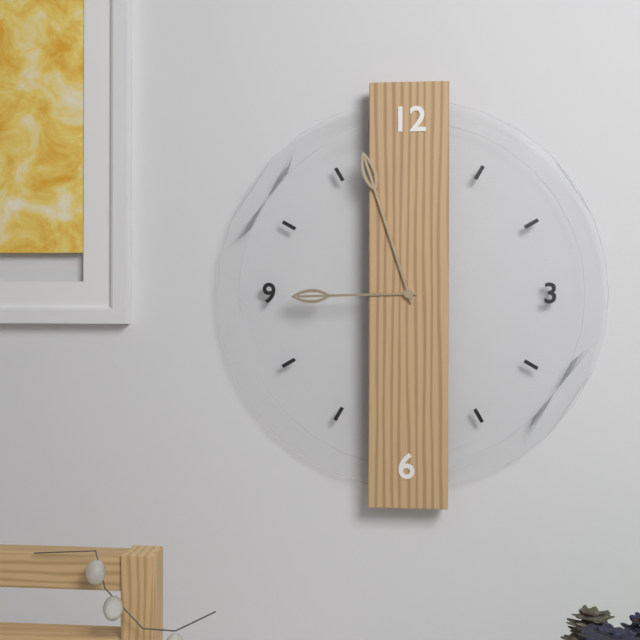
**8:57**
